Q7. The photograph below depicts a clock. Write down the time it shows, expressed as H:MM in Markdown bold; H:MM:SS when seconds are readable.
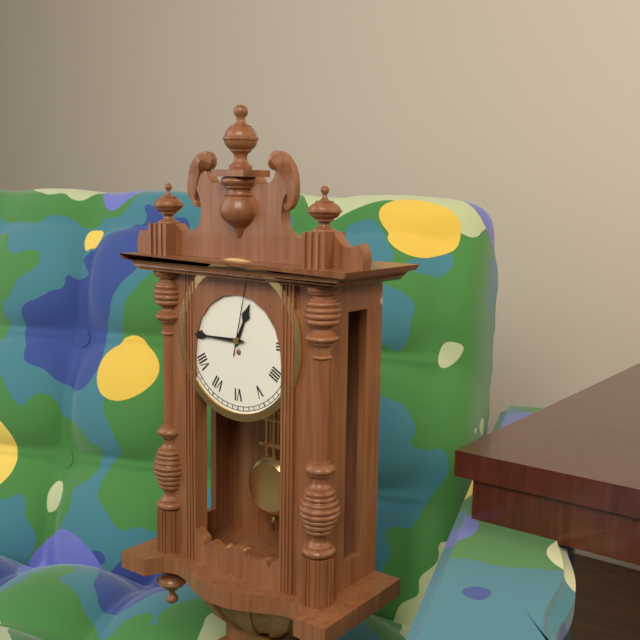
**12:45:02**
